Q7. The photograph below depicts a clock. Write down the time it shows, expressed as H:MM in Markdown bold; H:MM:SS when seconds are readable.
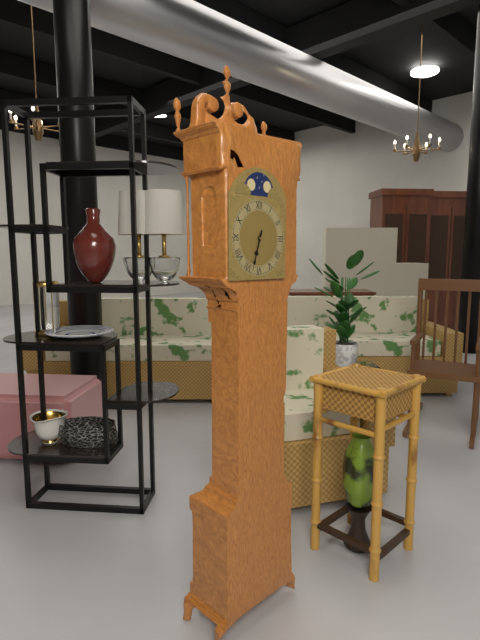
**6:33**
